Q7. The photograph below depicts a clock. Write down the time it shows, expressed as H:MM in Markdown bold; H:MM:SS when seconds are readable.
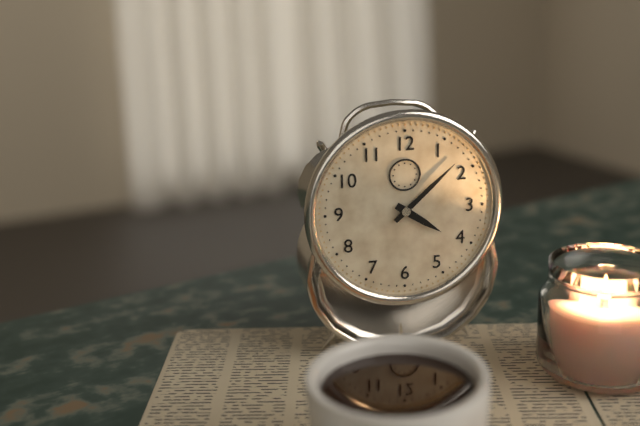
**4:08**
